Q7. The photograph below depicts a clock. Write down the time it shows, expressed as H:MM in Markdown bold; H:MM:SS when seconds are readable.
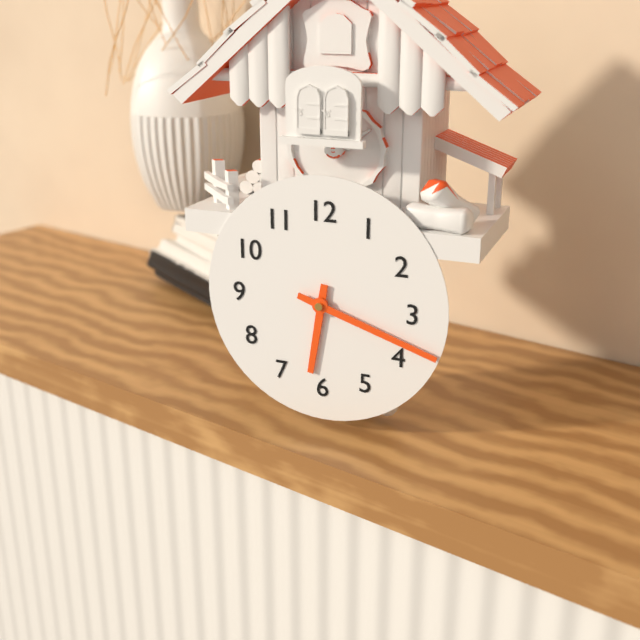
**6:18**
